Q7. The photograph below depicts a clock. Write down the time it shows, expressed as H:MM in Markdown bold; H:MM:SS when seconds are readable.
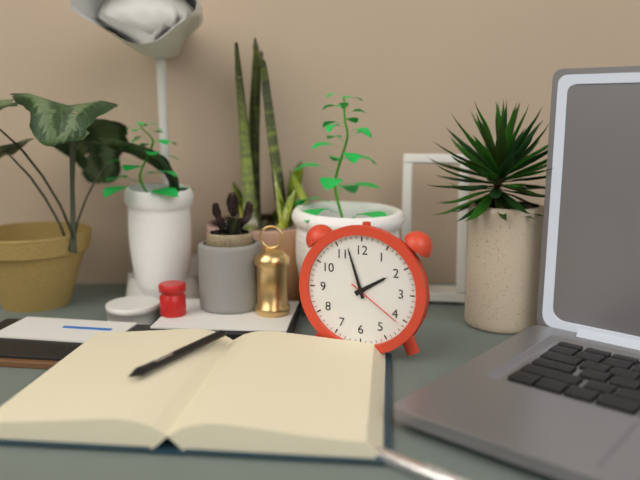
**1:57:21**
